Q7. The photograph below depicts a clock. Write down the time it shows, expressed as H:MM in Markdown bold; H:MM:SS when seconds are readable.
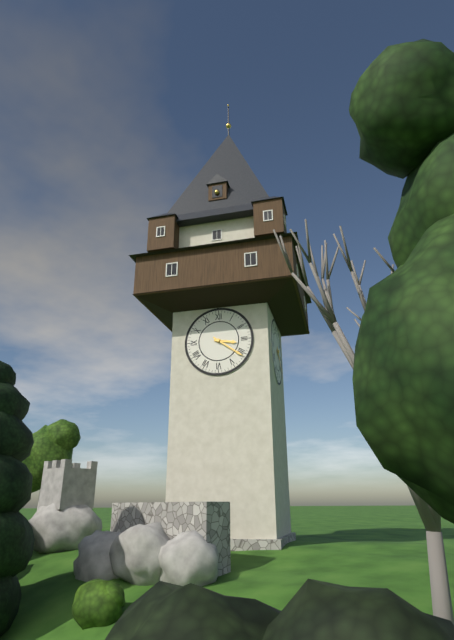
**3:21**
